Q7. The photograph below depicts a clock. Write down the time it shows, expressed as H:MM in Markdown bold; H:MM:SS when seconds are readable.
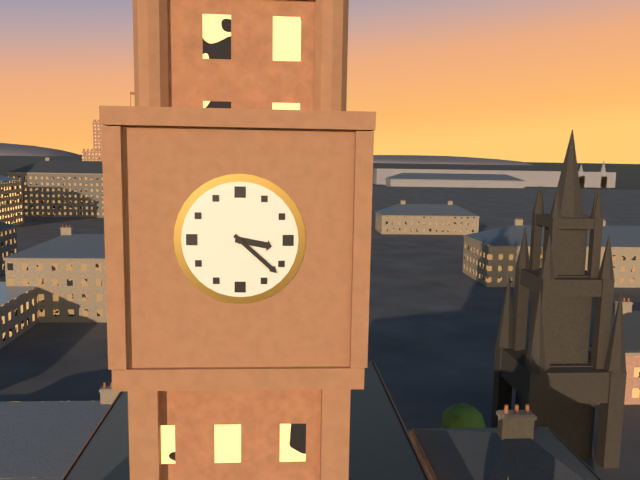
**3:22**
